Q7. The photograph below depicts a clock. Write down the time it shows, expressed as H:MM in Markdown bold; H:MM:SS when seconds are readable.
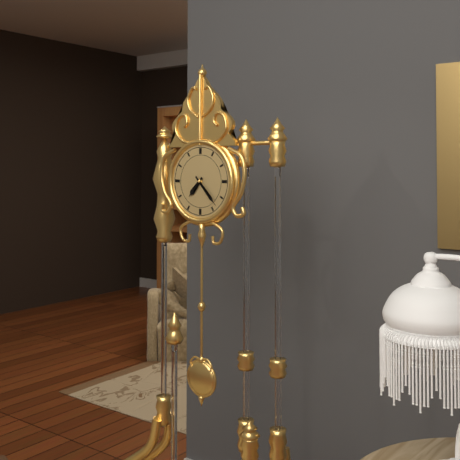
**7:23**
